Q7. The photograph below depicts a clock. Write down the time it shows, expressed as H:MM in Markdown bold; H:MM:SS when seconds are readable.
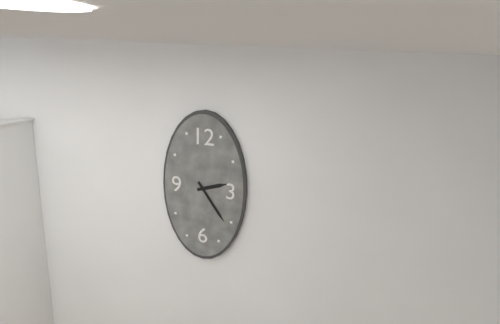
**2:24**
